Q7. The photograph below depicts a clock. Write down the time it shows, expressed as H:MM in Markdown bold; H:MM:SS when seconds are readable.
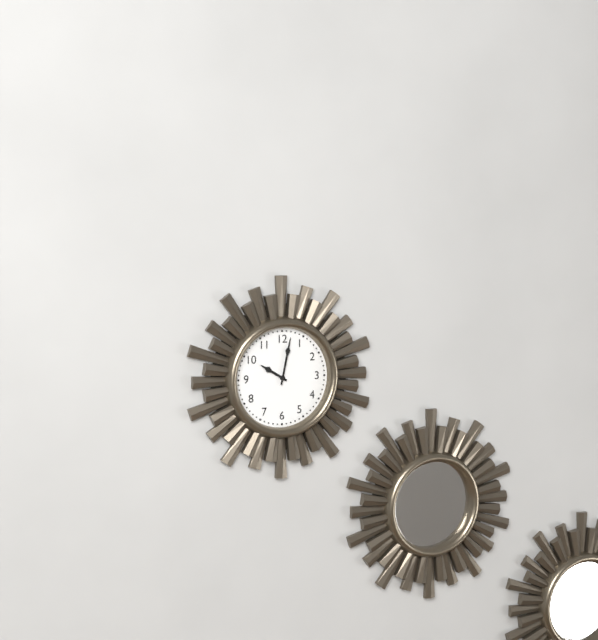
**10:02**
